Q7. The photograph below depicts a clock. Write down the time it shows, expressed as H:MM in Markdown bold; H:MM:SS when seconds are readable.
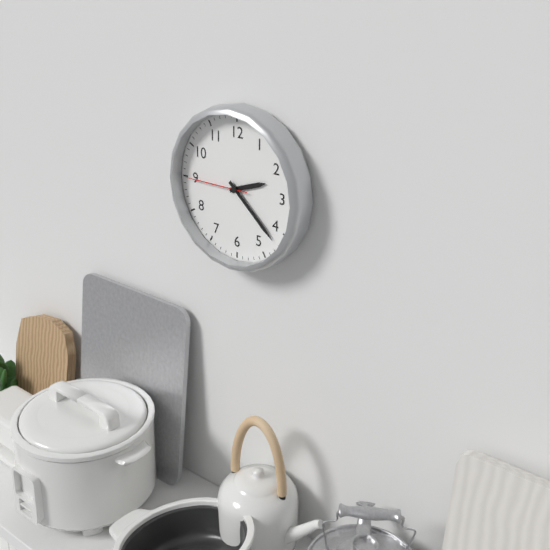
**2:22:45**
